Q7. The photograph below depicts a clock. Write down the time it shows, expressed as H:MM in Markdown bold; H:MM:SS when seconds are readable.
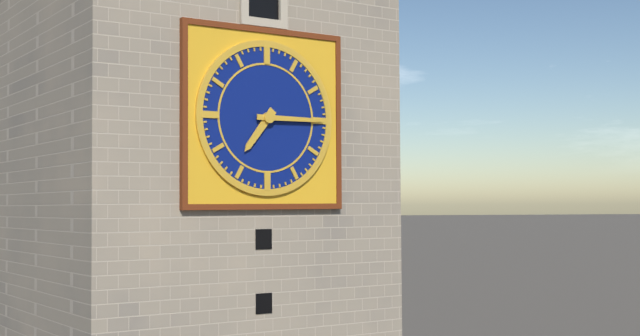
**7:15**
